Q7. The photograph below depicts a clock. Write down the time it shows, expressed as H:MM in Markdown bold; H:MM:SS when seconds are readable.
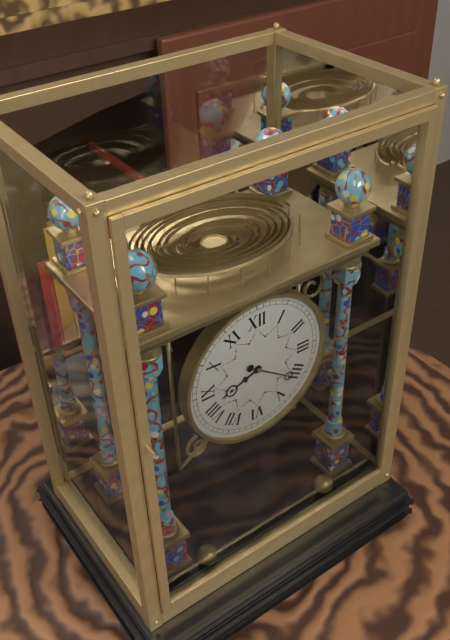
**8:21**
